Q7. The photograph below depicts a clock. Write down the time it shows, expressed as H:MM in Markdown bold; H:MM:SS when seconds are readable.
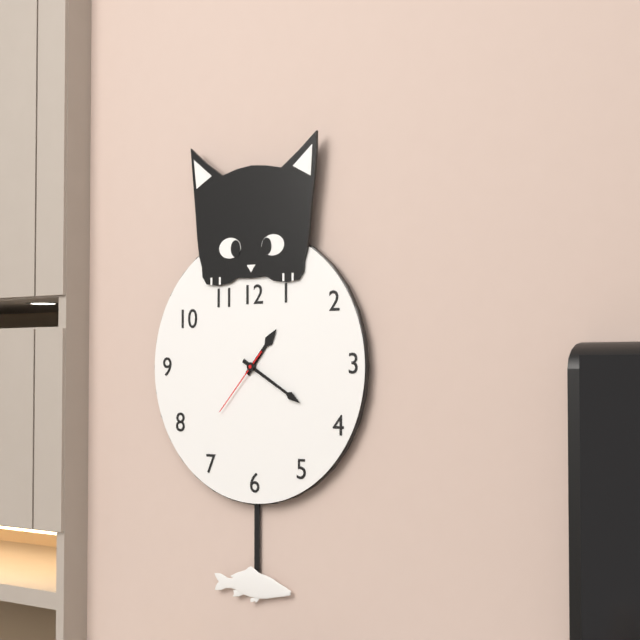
**1:20:37**
